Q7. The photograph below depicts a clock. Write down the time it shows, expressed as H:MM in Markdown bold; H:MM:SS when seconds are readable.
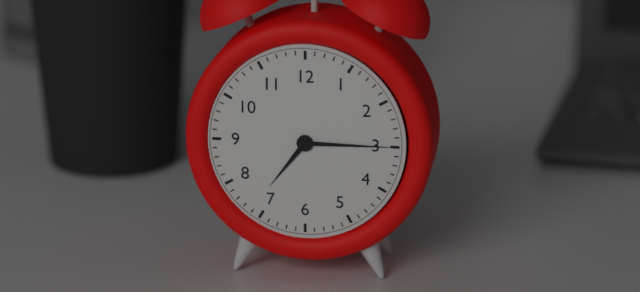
**7:15**
